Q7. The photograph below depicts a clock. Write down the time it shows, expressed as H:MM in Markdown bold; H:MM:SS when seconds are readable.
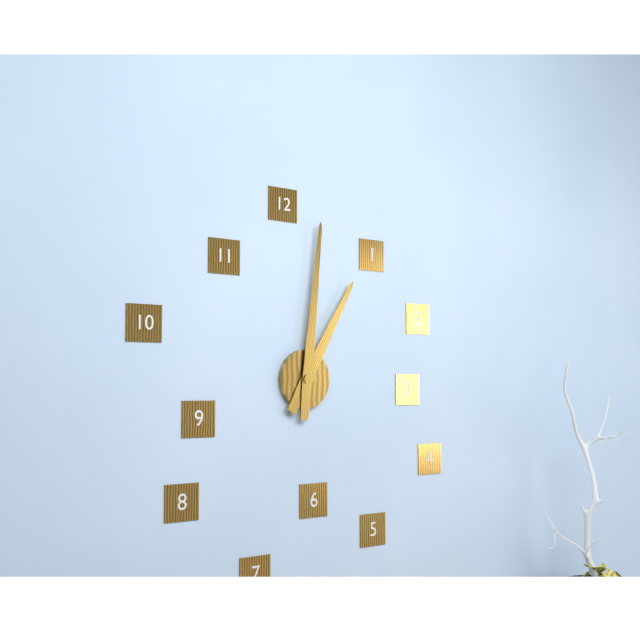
**1:01**
